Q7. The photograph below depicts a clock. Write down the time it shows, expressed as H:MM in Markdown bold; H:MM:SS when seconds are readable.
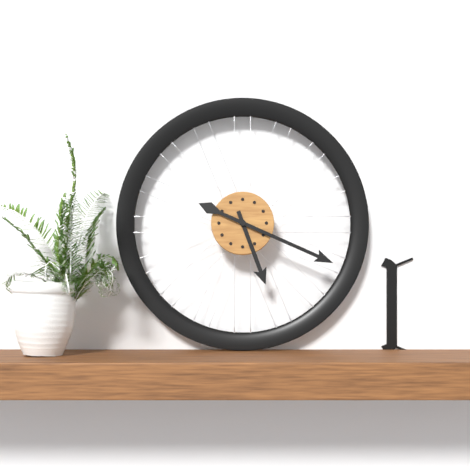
**5:19**
